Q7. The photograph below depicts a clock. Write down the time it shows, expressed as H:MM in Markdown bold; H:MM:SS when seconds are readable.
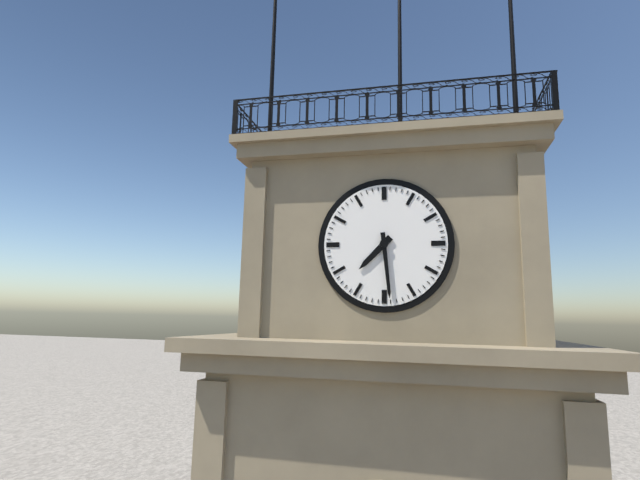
**7:29**
